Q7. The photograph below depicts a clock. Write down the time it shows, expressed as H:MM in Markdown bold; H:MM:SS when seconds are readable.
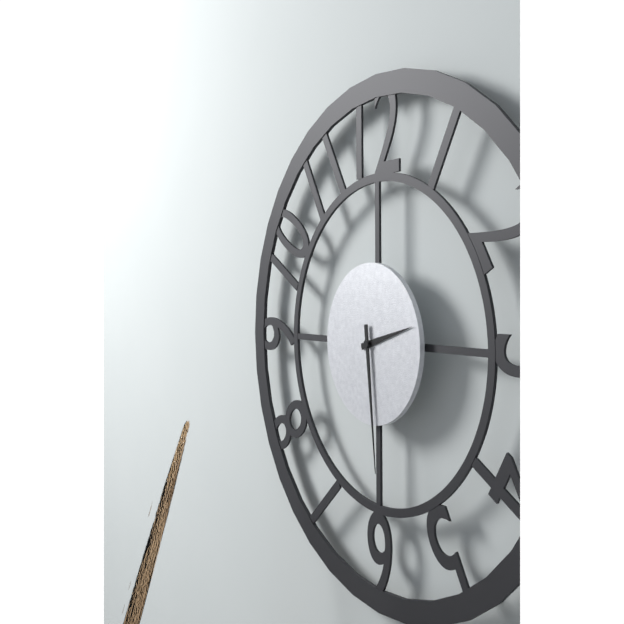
**2:29**
